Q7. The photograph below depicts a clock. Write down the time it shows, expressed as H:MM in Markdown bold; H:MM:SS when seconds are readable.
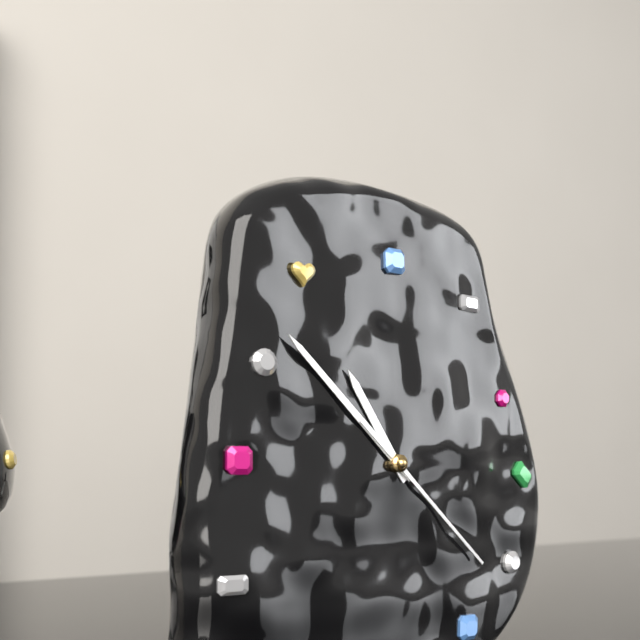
**10:52:22**
